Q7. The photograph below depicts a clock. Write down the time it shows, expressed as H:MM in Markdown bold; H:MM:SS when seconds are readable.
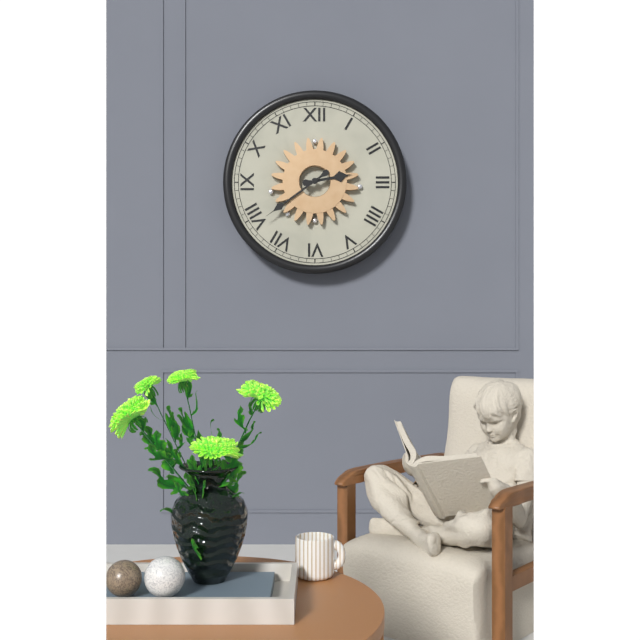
**2:39**
